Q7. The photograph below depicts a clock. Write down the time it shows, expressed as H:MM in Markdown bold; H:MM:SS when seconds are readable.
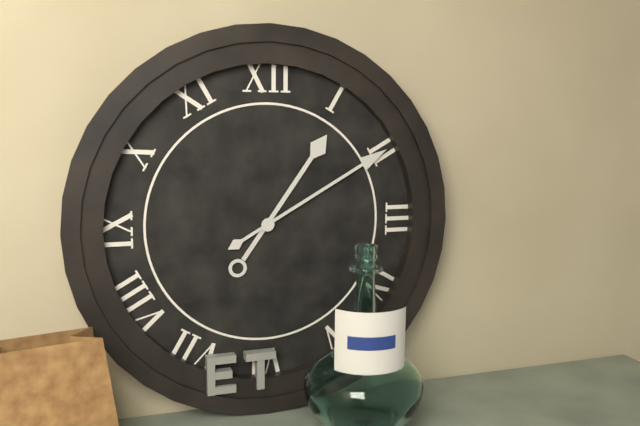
**1:10**
